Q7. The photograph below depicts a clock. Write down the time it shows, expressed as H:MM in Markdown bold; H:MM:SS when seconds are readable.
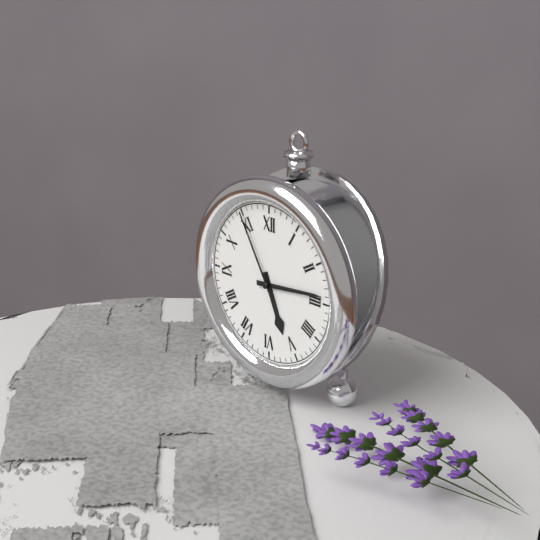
**5:14:55**
